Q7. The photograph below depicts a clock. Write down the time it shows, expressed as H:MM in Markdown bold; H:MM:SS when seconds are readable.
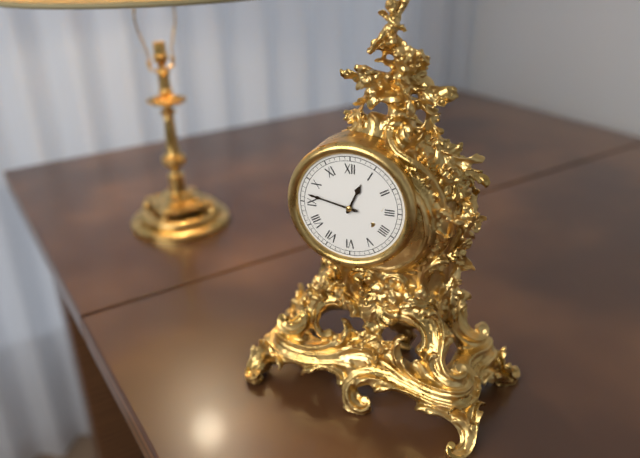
**12:47**
